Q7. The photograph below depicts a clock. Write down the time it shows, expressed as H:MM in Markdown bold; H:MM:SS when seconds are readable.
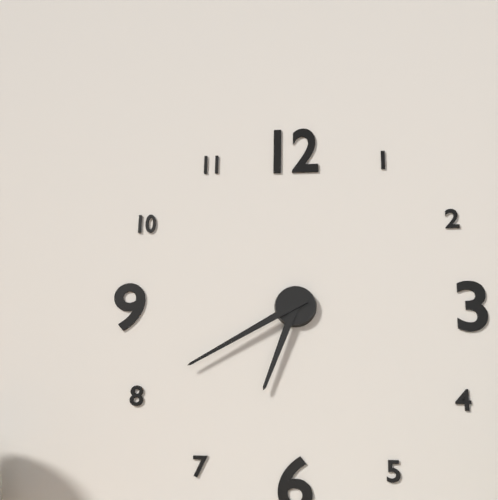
**6:40**
